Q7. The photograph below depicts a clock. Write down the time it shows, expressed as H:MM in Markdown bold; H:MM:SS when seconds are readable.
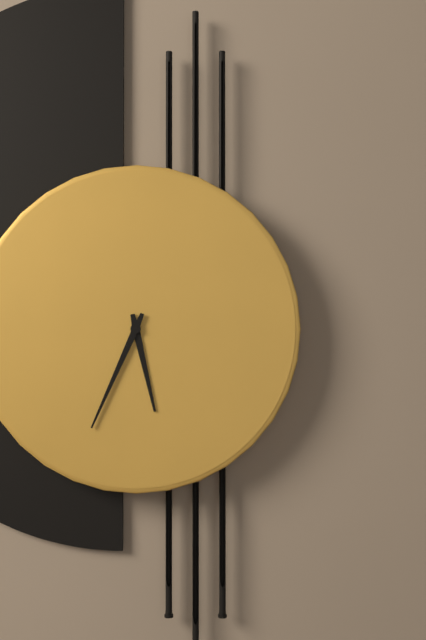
**5:34**
